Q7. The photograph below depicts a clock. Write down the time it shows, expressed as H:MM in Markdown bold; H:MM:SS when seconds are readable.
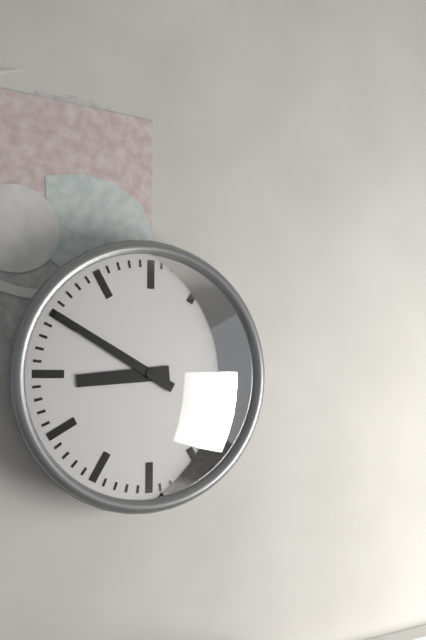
**8:50**
